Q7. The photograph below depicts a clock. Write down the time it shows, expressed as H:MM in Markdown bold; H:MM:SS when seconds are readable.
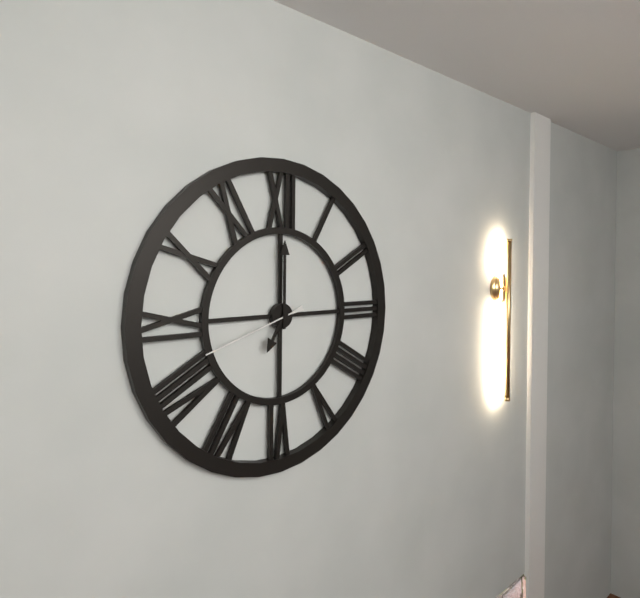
**7:00:42**
